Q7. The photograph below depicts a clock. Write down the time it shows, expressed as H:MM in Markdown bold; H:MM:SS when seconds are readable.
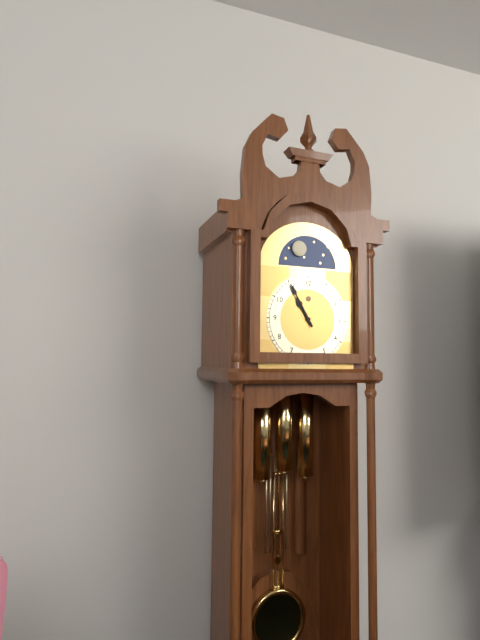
**10:55**
